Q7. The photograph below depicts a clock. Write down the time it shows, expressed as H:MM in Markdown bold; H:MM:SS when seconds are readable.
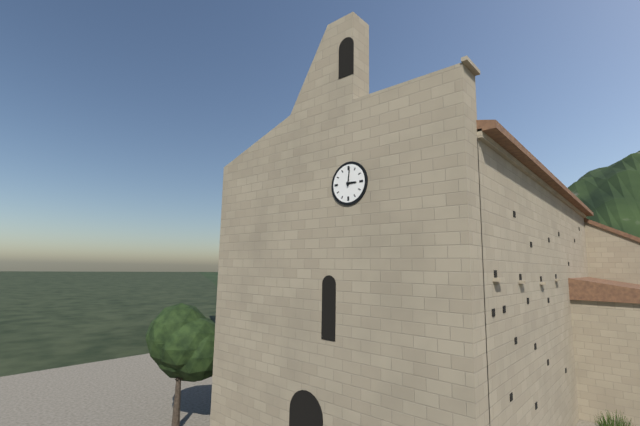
**3:01**
